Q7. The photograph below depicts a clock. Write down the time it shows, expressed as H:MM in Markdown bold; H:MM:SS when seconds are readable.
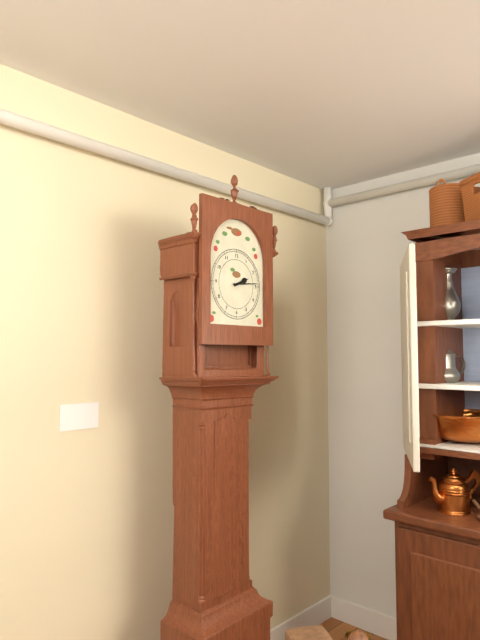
**2:14**
